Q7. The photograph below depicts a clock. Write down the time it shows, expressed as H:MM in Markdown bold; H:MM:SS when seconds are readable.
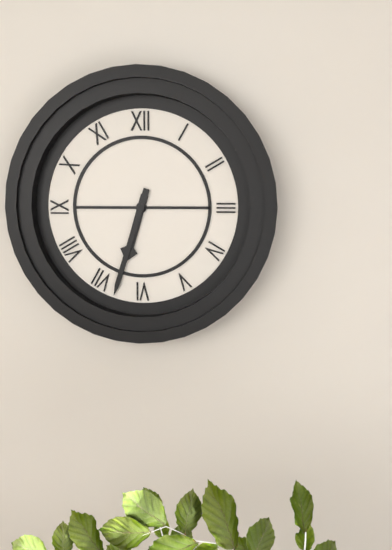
**6:33**
